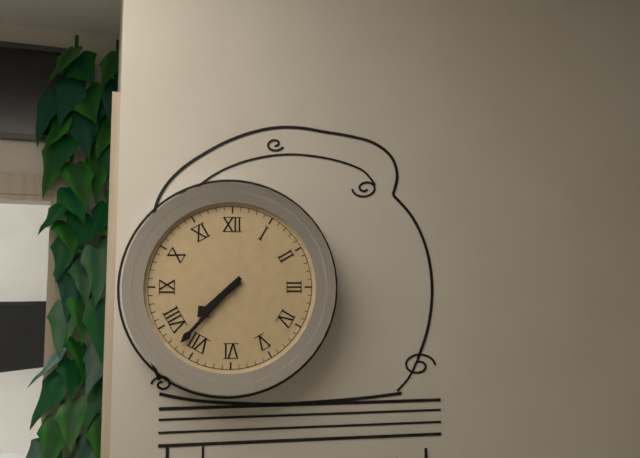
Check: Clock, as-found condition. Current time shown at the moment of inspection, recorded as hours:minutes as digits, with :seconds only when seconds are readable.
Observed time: 7:37
